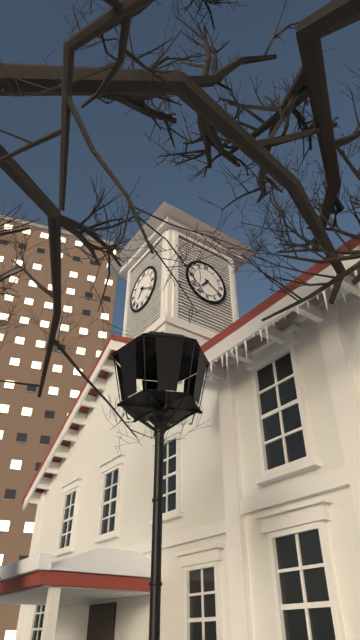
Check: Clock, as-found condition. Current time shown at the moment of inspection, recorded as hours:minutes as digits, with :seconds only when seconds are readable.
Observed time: 7:20
